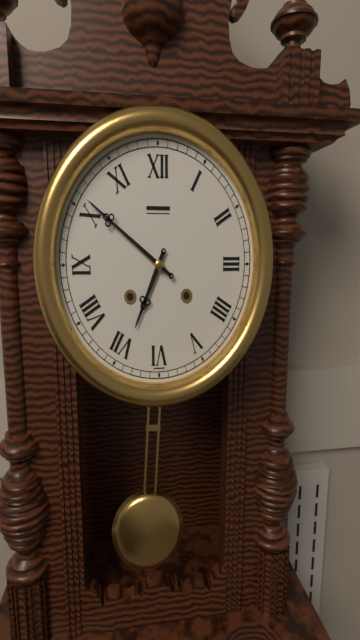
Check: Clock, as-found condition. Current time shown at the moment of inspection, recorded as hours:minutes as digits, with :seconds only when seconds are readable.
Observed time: 6:51
